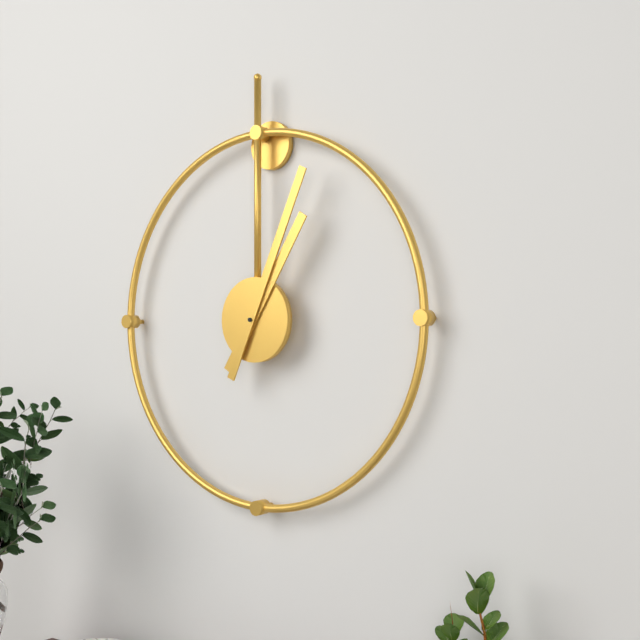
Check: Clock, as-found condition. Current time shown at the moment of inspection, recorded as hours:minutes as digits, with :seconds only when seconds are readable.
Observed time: 1:04
